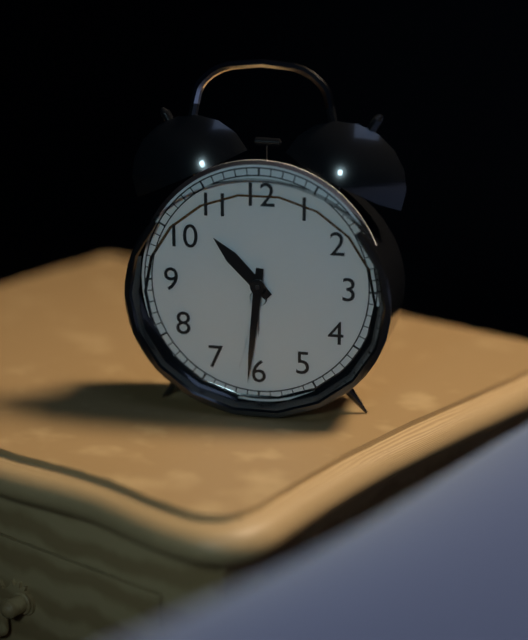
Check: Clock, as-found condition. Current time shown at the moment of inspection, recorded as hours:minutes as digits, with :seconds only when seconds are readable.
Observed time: 10:31
